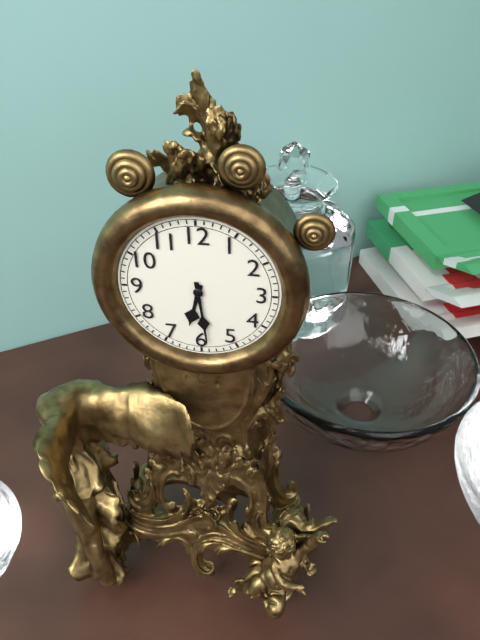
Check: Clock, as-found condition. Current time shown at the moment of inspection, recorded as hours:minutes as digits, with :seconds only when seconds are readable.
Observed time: 6:29
